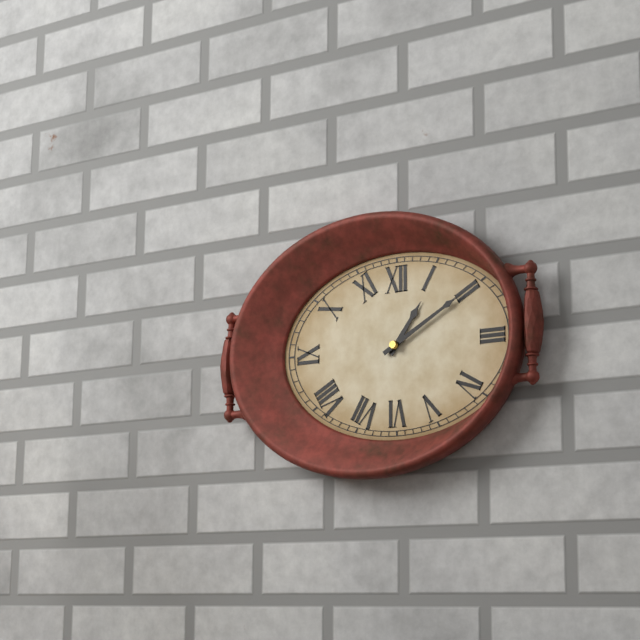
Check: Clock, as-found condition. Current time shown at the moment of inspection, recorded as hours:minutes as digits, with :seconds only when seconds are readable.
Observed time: 1:10
